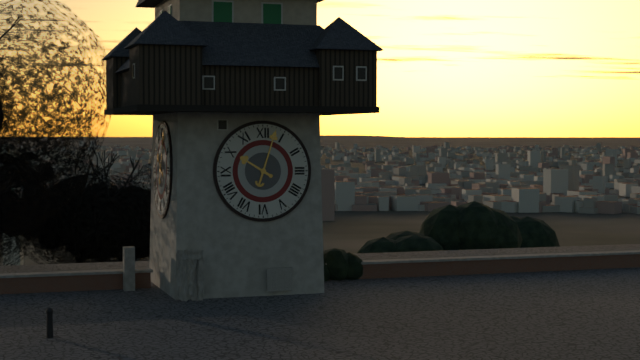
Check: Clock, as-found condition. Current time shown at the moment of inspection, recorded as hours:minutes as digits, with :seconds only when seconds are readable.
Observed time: 10:03
